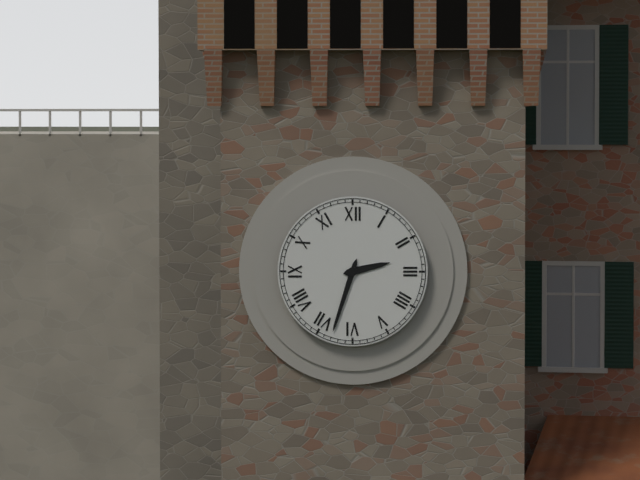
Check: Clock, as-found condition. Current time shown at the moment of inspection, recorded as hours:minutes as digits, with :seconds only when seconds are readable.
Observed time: 2:33
